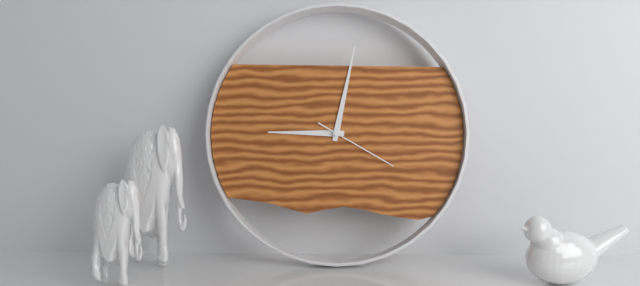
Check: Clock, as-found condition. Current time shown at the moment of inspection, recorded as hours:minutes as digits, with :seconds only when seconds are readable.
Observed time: 9:02:20
